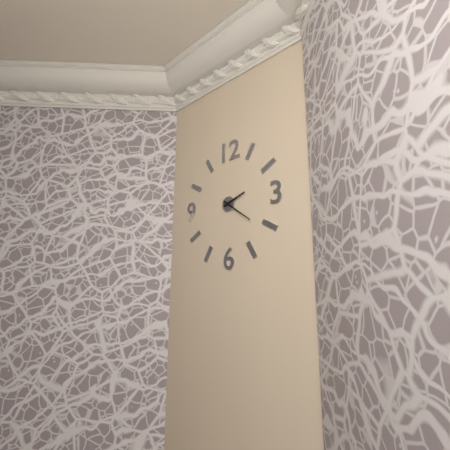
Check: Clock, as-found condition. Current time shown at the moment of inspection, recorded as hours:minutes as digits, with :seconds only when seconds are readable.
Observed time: 2:21
